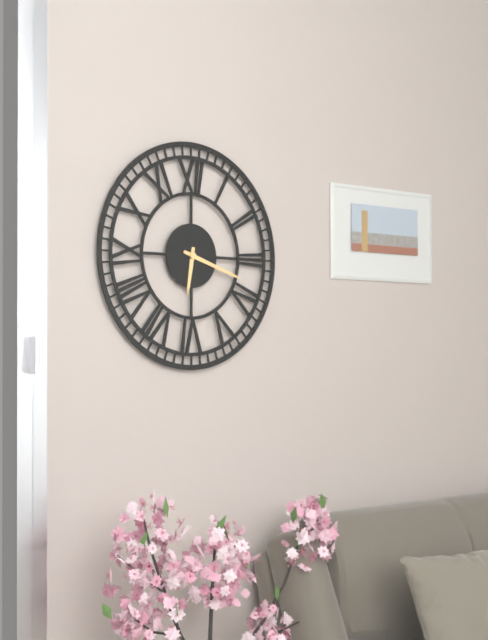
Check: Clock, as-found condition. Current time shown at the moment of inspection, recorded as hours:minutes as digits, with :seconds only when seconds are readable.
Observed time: 6:18
